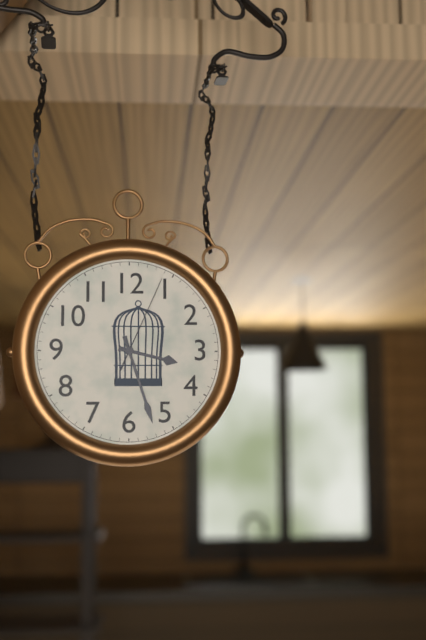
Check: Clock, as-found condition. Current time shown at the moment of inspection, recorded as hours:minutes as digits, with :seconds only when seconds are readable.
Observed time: 3:27:04
